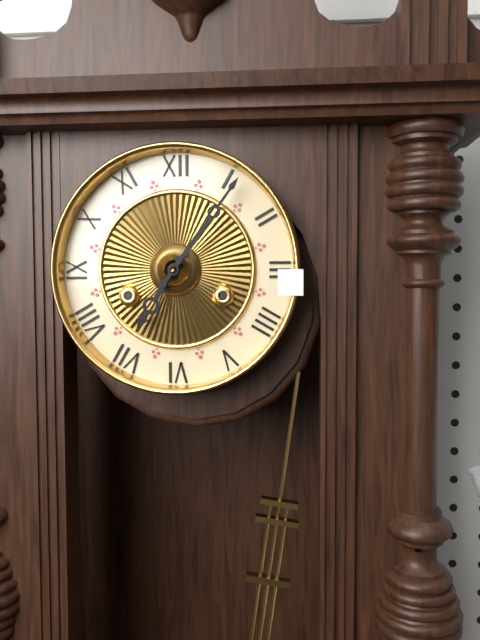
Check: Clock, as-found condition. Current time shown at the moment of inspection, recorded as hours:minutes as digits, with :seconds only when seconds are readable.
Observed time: 7:06
